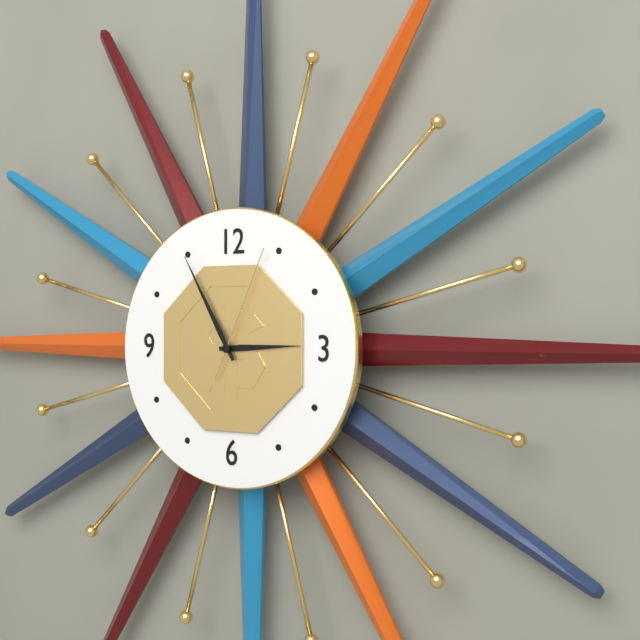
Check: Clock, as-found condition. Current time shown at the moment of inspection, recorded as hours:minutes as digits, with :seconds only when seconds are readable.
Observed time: 2:55:04
